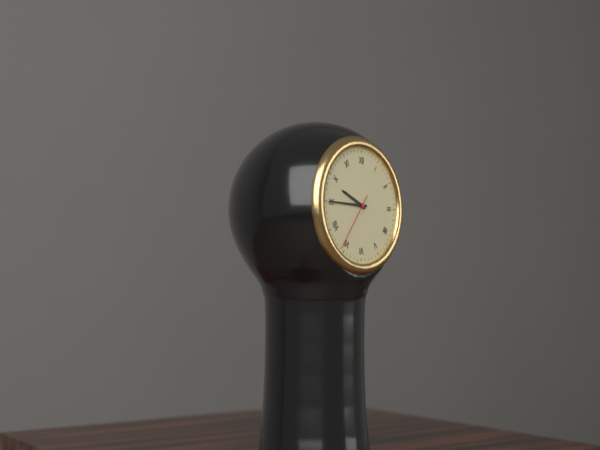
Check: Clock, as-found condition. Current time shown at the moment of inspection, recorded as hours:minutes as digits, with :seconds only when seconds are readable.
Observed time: 9:45:36
